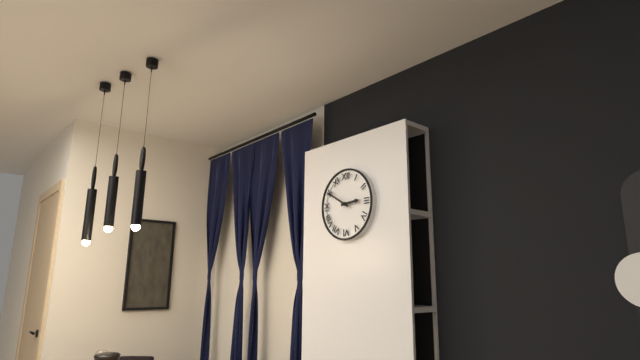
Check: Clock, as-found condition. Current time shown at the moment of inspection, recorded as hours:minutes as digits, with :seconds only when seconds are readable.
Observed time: 2:50
